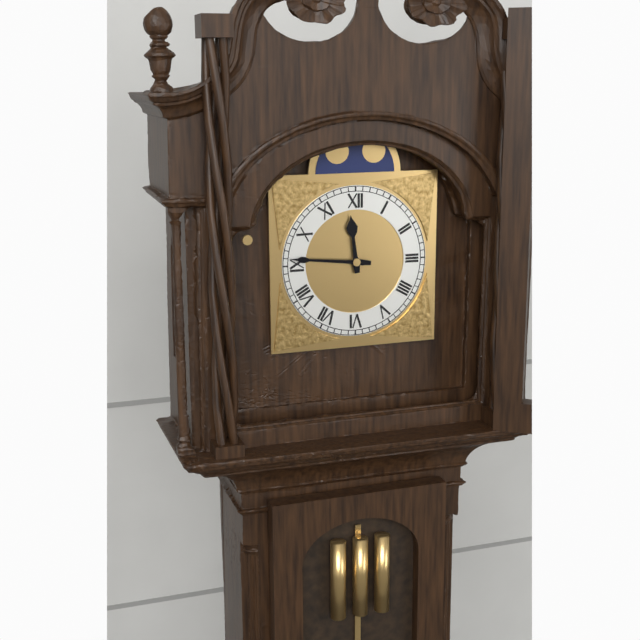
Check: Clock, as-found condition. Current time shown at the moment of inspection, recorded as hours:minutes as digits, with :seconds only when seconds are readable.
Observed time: 11:46
